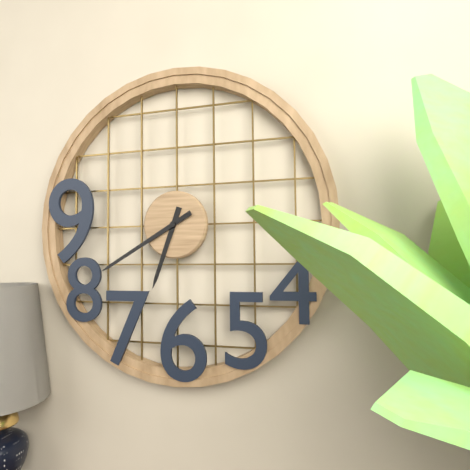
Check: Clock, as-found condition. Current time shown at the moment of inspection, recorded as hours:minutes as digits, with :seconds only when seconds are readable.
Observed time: 6:40
